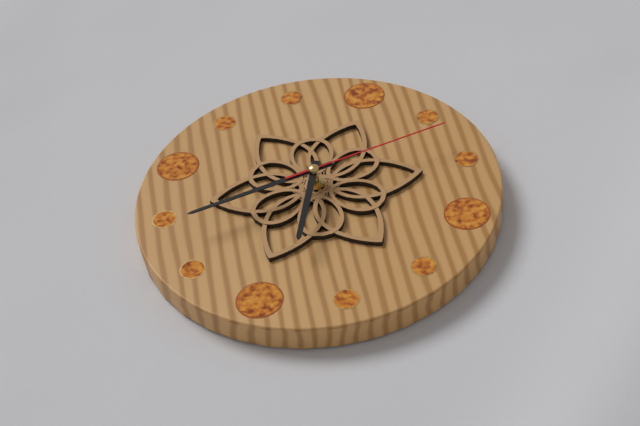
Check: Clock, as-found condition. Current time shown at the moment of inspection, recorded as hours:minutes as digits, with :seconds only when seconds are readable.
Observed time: 5:38:08
